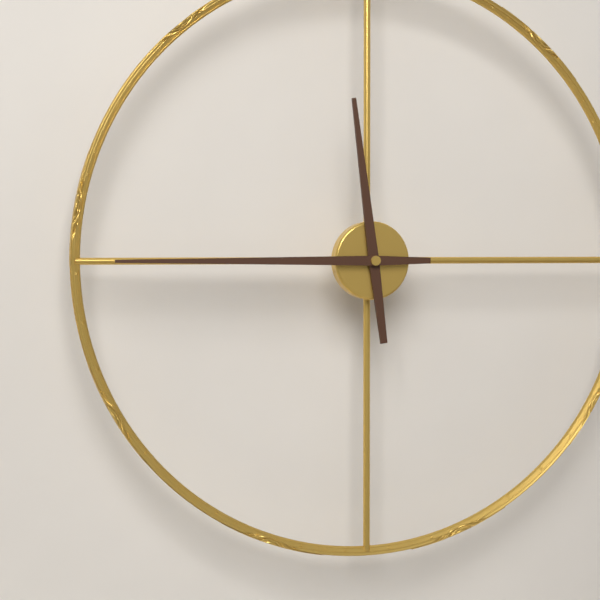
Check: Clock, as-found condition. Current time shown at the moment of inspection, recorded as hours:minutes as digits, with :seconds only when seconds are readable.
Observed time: 11:45
